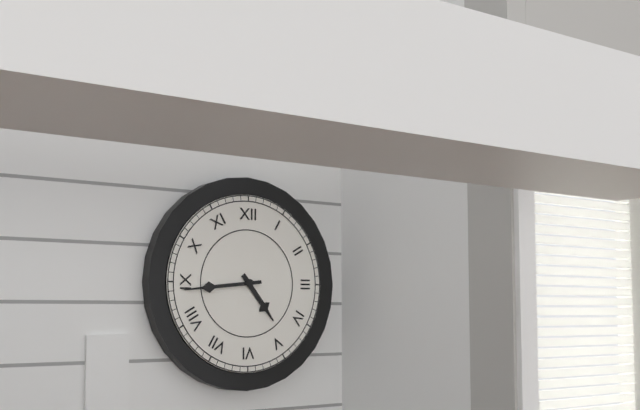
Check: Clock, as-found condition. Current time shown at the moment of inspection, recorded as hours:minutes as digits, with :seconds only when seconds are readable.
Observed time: 4:44
